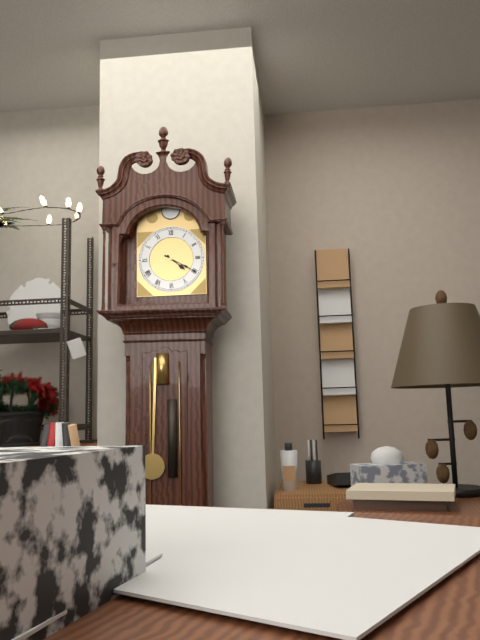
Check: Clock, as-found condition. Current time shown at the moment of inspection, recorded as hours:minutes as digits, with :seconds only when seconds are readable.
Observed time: 4:20
